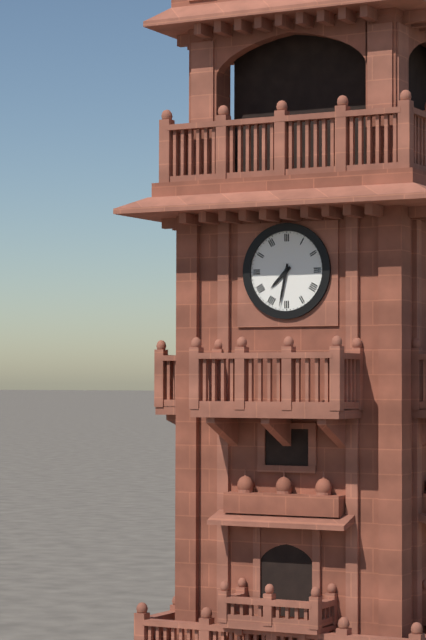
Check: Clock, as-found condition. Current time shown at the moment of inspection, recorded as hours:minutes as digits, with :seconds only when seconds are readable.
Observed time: 7:32
